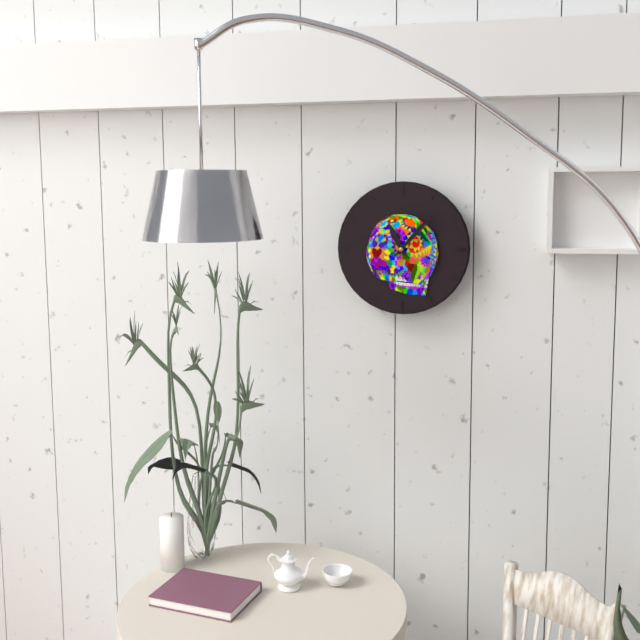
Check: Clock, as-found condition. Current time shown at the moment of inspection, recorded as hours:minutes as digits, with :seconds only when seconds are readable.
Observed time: 11:07
